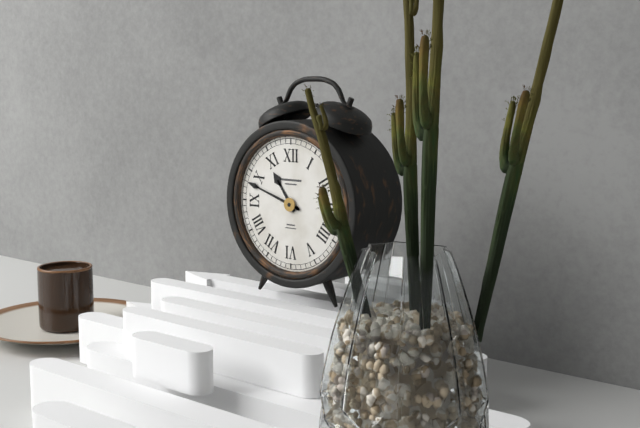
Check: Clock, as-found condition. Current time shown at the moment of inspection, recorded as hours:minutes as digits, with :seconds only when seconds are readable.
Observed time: 10:48
